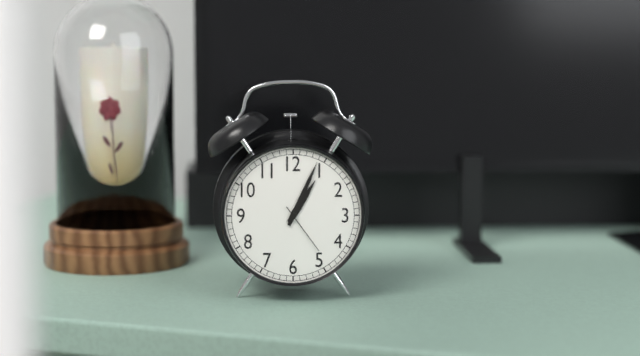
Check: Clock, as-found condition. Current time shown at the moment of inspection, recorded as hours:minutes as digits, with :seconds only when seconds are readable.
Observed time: 1:04:24
